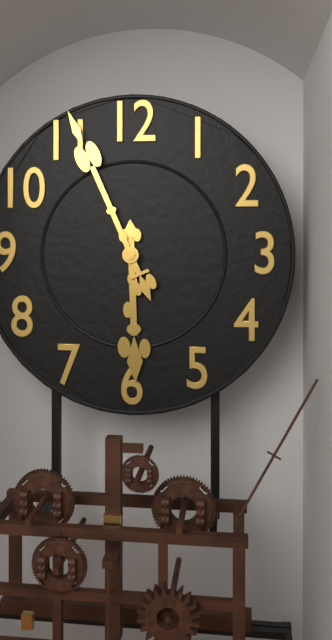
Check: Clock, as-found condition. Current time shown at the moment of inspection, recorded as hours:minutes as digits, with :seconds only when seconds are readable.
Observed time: 5:56
